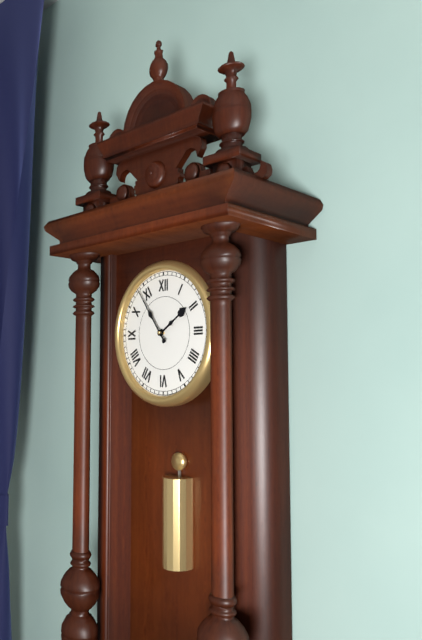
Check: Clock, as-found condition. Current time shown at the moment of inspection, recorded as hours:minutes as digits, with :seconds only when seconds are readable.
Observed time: 1:54
